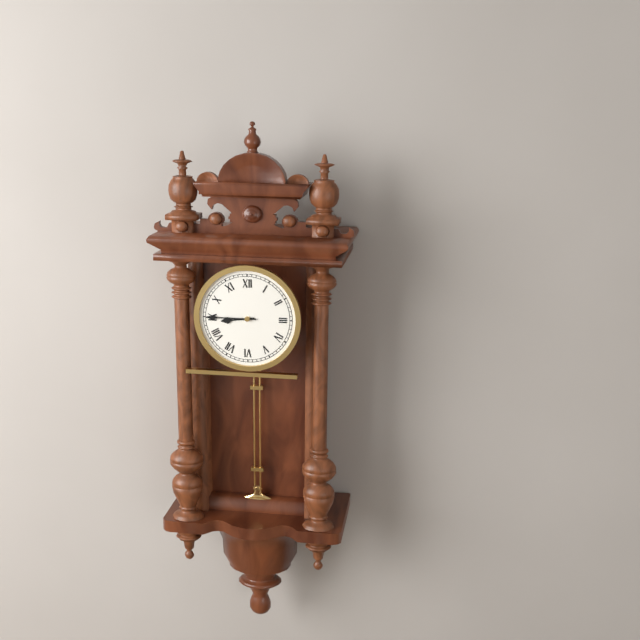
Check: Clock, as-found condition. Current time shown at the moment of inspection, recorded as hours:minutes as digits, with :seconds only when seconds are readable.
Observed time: 8:45
